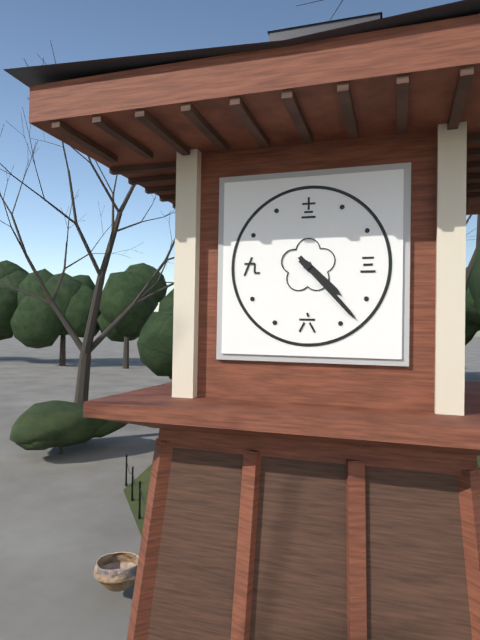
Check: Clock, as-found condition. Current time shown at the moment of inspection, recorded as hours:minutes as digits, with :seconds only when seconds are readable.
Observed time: 4:23
